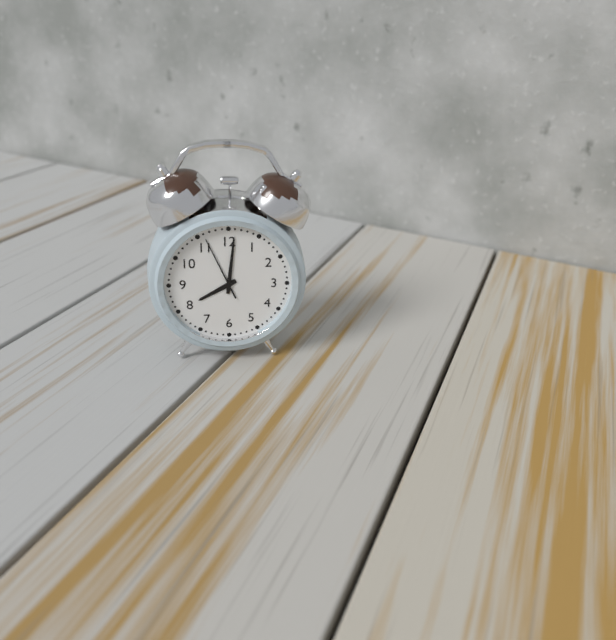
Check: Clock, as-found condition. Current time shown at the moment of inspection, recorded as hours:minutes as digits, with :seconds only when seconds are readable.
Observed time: 8:01:56
